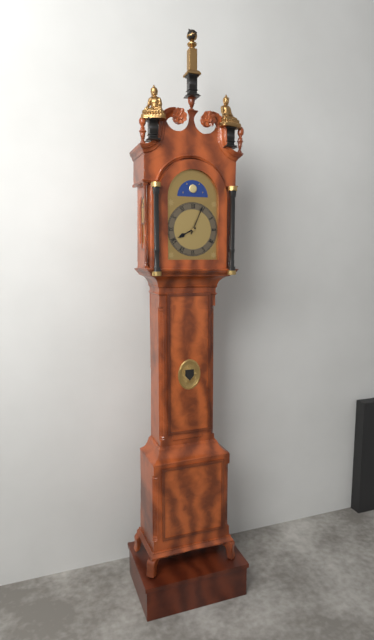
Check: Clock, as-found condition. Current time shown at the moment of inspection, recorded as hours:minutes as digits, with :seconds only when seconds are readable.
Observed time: 8:04
